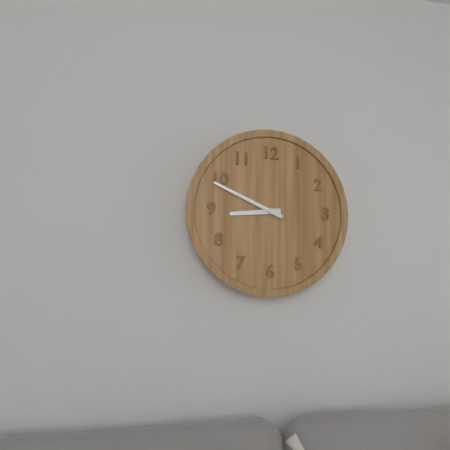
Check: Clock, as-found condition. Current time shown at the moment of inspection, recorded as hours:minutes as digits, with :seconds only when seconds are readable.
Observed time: 8:49
